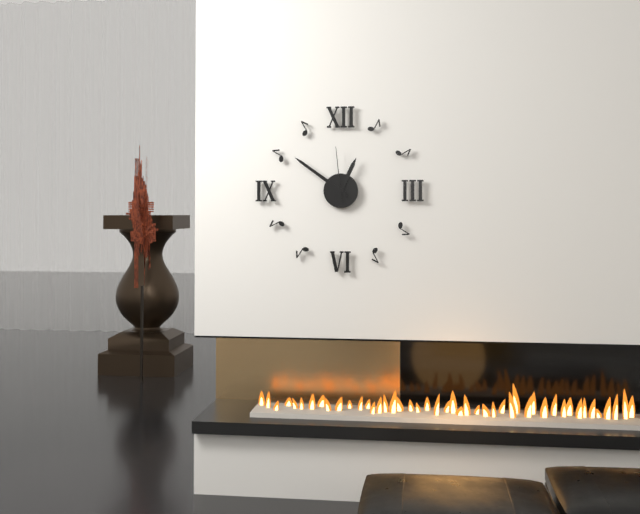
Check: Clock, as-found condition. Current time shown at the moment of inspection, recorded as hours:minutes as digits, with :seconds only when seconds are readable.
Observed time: 12:51:59
